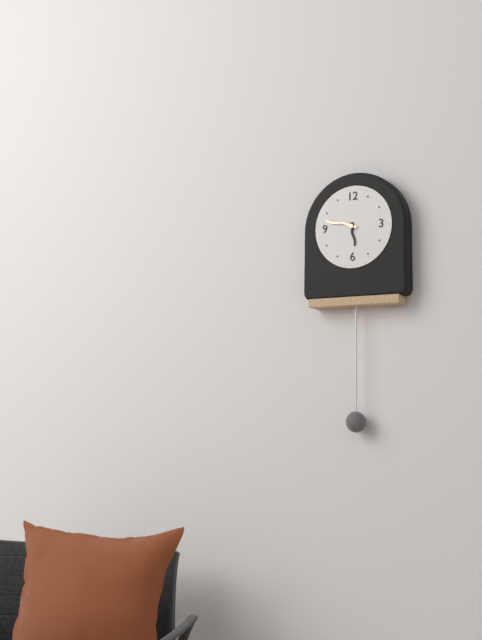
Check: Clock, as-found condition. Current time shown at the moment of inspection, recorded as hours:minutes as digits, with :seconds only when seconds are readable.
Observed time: 5:48
